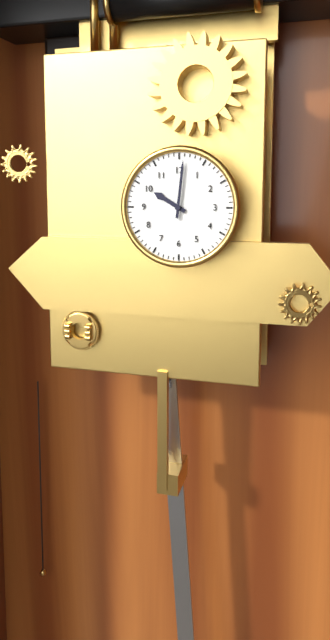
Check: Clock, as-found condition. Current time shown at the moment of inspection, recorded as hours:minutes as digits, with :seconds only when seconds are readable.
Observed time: 10:01
